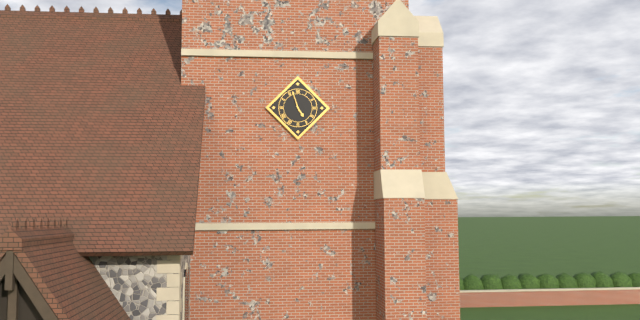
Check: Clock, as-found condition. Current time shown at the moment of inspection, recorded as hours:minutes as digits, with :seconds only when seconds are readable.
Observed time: 4:57
